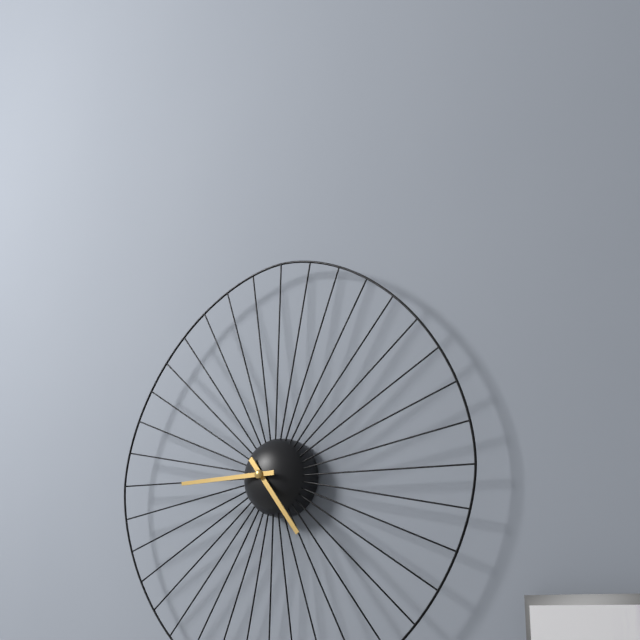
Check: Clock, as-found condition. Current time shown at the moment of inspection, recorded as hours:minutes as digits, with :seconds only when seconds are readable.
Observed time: 4:45
